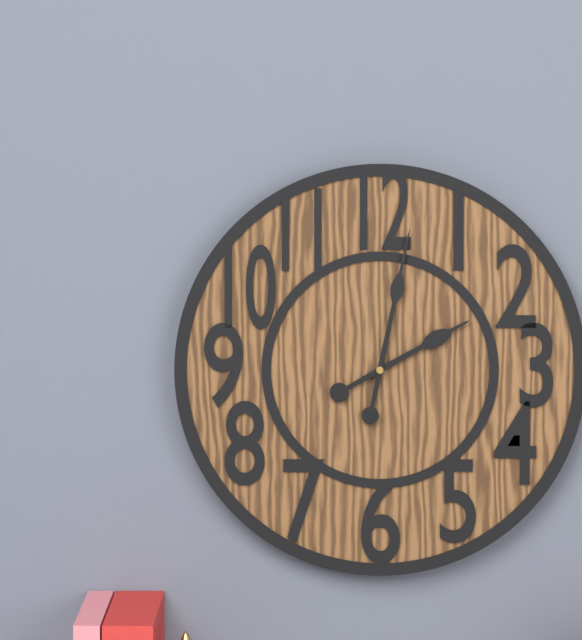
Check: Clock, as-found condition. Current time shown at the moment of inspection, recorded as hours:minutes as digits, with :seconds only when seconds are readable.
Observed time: 2:02
